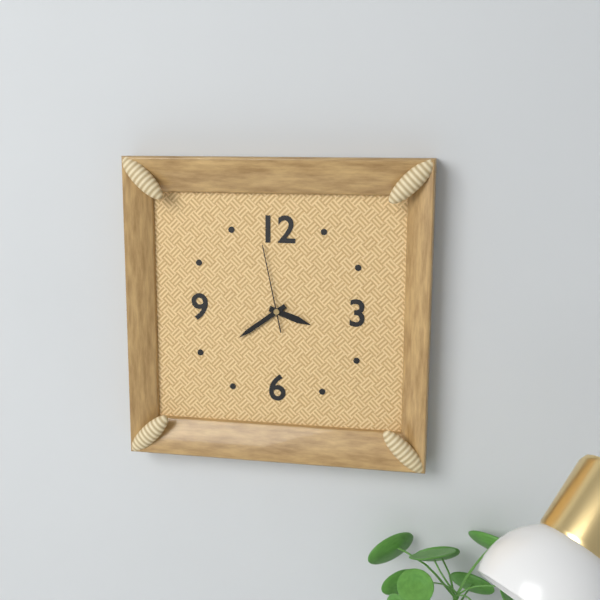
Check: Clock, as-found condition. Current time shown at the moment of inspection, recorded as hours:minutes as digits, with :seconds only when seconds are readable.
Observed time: 3:39:58
